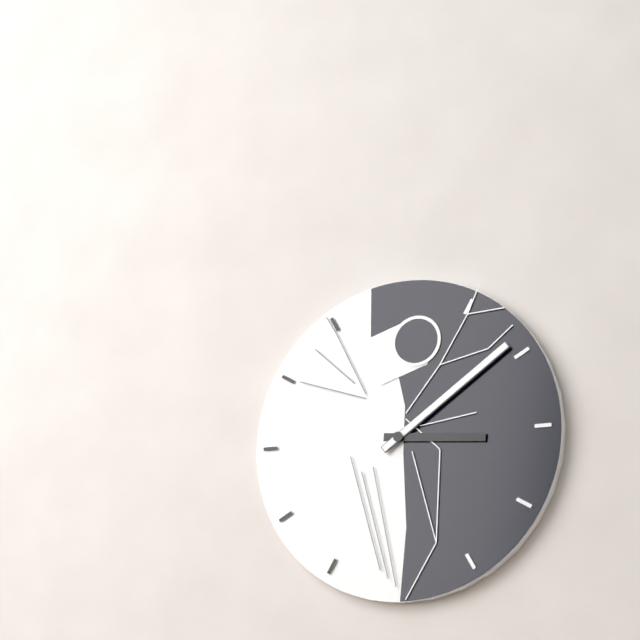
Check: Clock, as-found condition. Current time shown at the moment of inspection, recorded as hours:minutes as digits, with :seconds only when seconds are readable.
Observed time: 3:09
